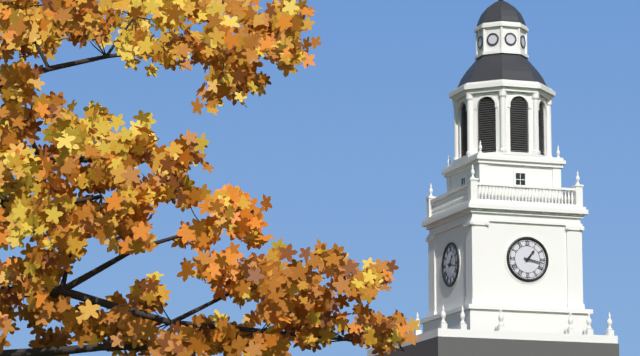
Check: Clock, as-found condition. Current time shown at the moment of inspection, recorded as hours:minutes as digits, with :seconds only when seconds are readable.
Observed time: 1:17
